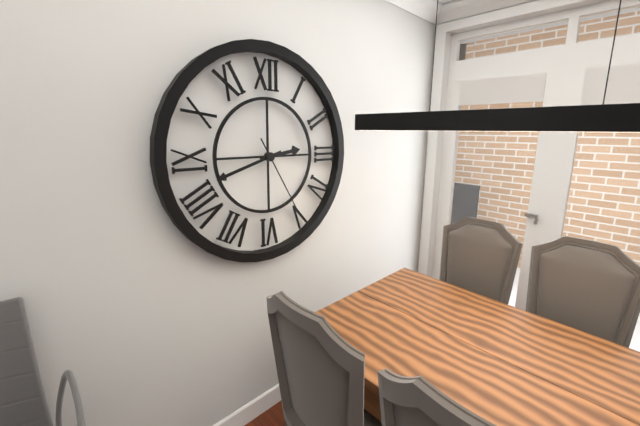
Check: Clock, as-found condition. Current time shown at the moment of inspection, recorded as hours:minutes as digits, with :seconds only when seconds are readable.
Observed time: 2:42:25
